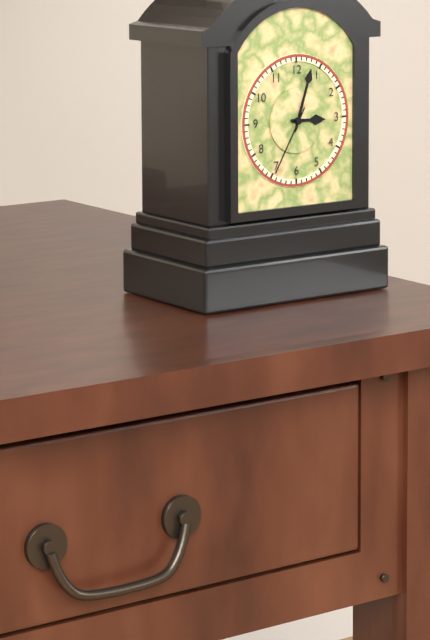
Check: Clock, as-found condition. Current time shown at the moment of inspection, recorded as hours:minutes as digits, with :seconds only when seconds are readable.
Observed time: 3:03:35
